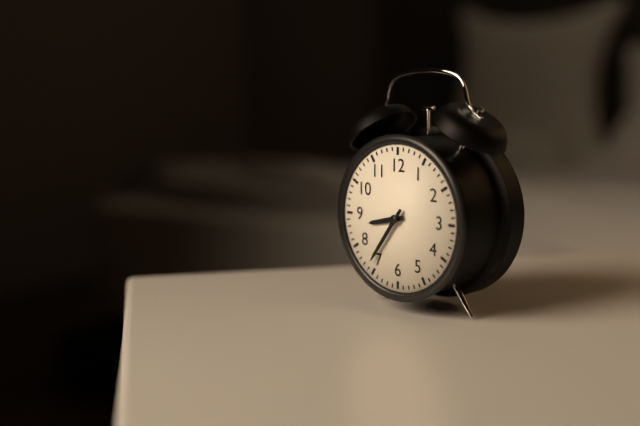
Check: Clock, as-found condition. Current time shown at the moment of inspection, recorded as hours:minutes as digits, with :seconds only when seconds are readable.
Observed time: 8:36
